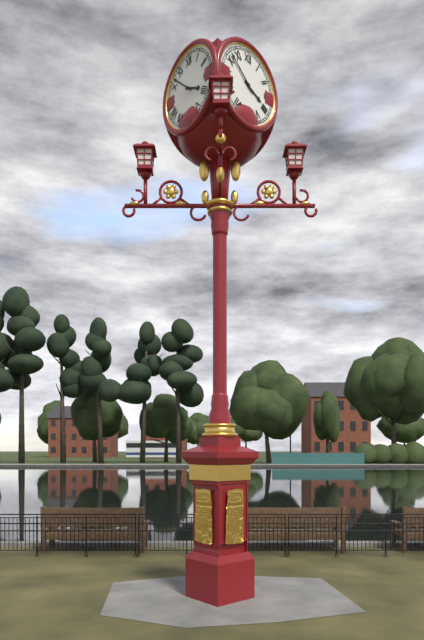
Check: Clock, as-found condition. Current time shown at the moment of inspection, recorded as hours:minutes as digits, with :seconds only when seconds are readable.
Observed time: 3:52
